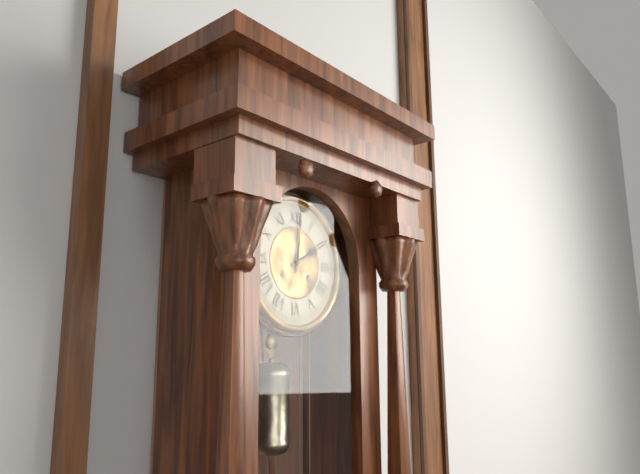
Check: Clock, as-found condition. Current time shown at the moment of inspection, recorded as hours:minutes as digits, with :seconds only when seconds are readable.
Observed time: 2:01
